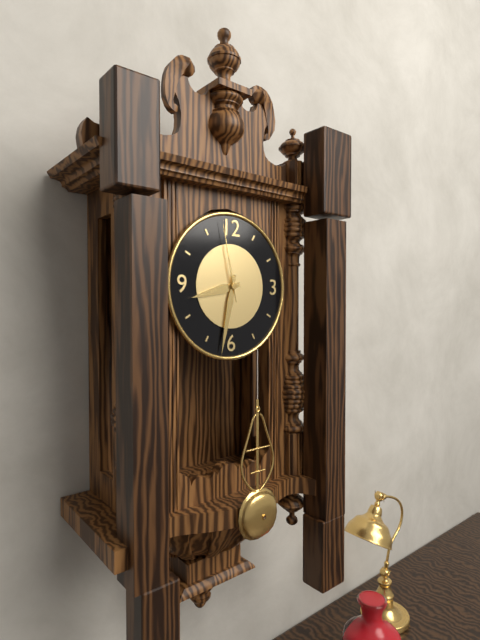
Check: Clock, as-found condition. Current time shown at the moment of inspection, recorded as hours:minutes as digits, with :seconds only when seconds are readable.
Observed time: 8:32:58
